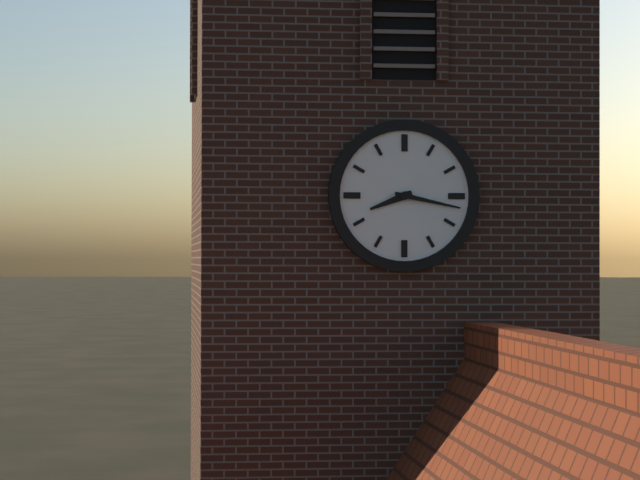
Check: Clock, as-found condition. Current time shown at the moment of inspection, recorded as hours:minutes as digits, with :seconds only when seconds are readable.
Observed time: 8:17
